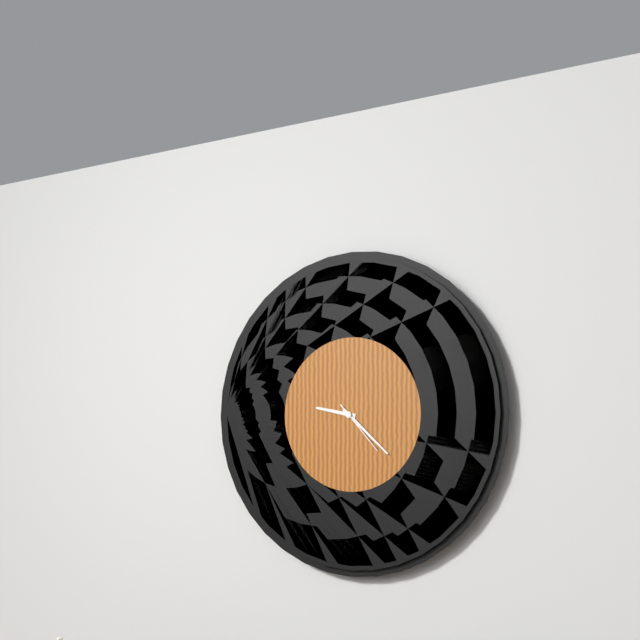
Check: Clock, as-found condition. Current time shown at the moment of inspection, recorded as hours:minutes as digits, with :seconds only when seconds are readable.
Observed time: 9:22:23
